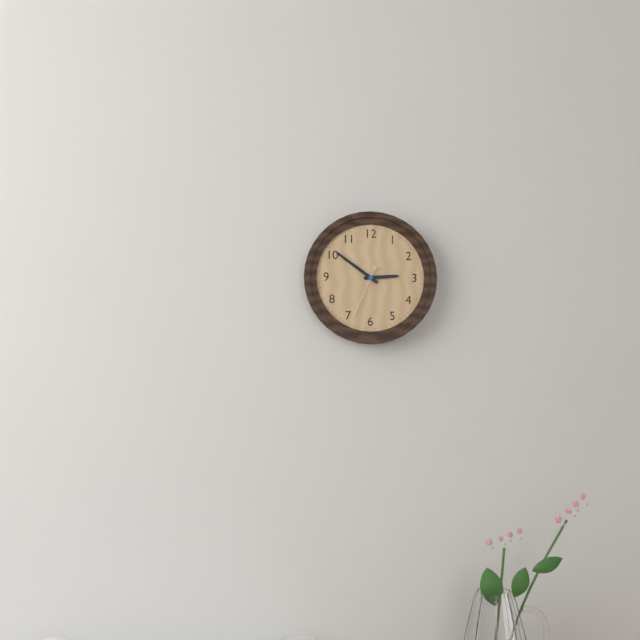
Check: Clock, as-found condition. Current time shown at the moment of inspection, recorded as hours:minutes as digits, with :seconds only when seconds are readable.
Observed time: 2:51:34
